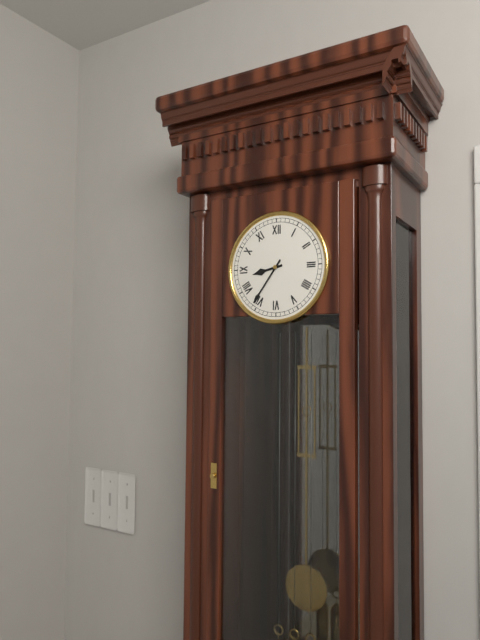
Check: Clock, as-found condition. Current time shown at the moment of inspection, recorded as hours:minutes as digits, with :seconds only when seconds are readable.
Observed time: 8:36
